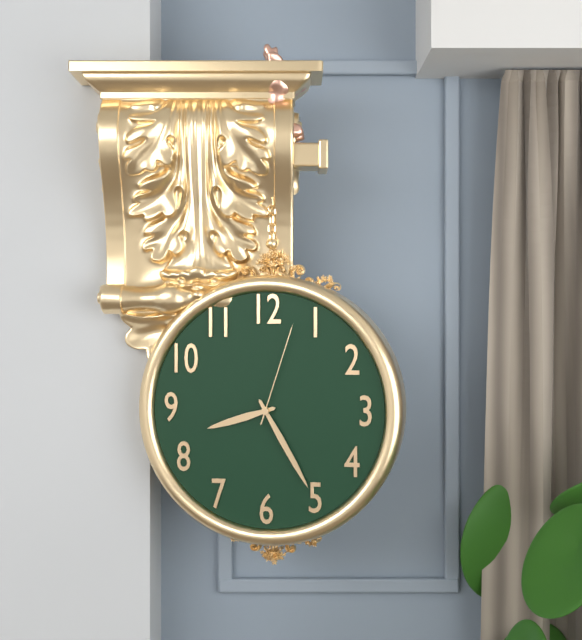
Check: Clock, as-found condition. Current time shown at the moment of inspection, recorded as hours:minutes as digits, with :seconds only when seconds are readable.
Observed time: 8:25:03
